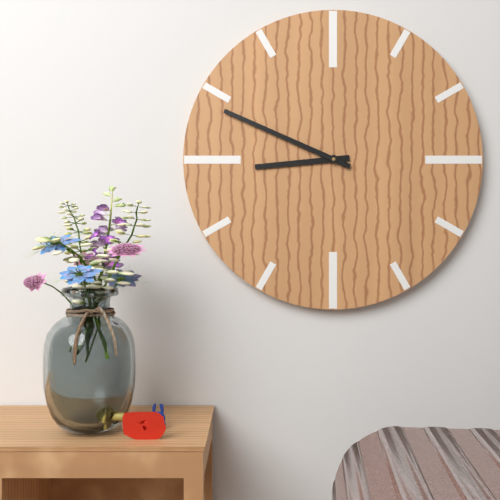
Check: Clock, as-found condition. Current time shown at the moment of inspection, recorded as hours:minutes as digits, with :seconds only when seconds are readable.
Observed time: 8:49
